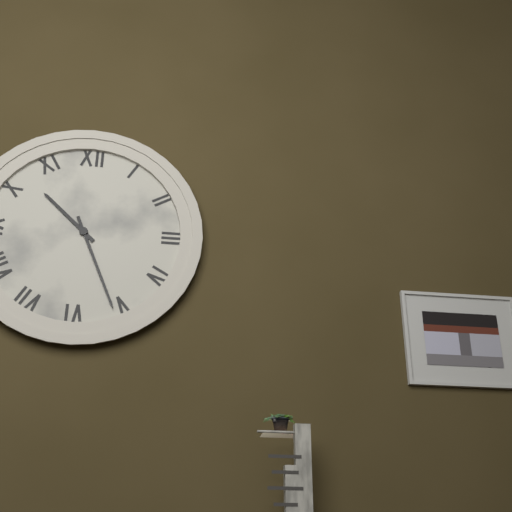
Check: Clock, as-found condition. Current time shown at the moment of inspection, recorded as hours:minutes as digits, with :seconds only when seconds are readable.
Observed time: 10:26
